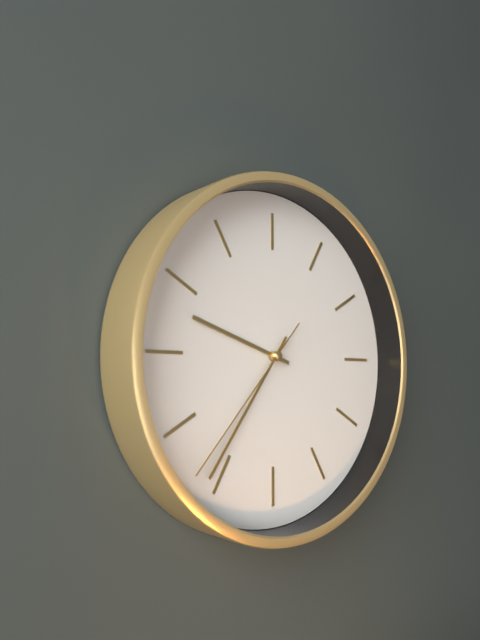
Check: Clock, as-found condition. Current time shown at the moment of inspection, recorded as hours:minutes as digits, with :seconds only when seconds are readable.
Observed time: 9:36:37
